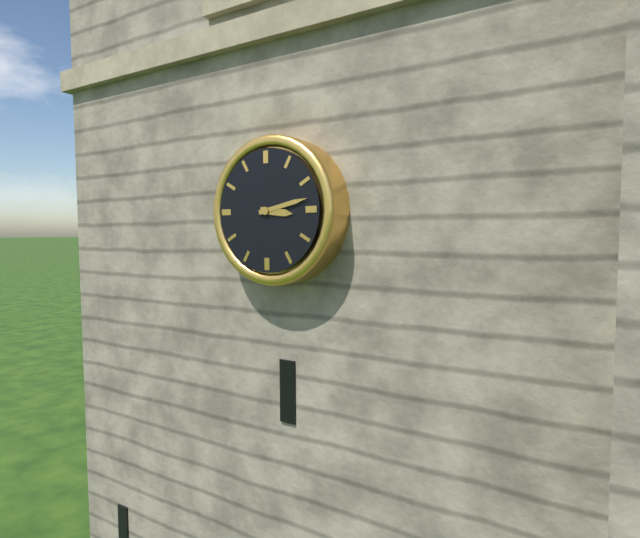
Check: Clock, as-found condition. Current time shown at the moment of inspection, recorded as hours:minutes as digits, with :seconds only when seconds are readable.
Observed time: 3:13
